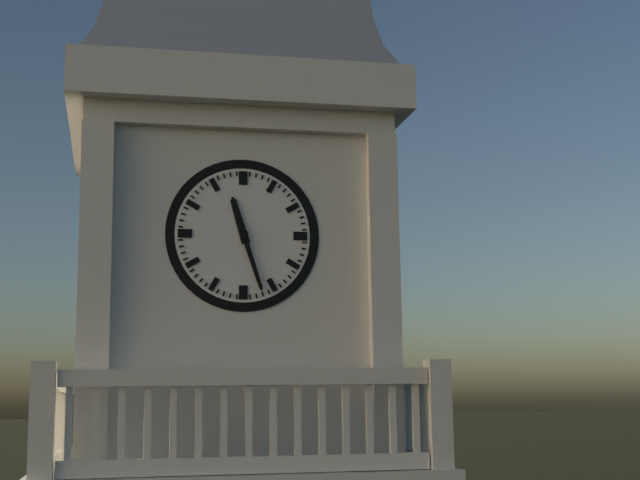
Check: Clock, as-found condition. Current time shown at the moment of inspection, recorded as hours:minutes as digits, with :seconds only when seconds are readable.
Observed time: 11:27
